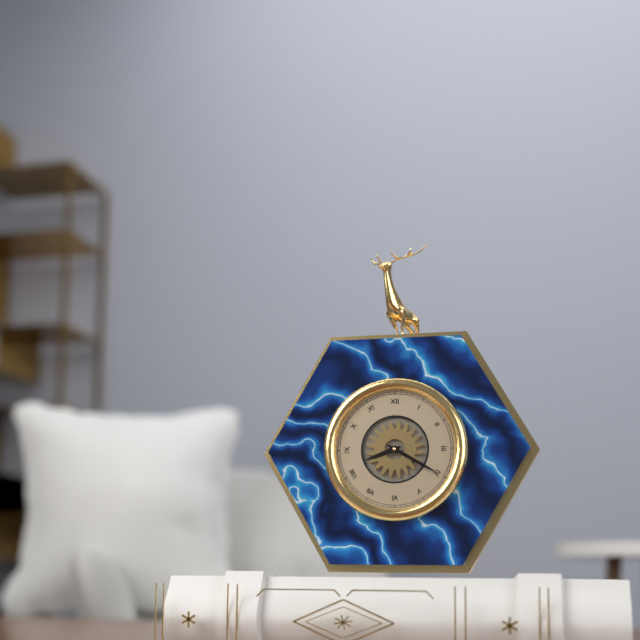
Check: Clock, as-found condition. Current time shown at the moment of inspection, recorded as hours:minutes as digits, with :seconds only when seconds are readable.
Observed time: 8:20
